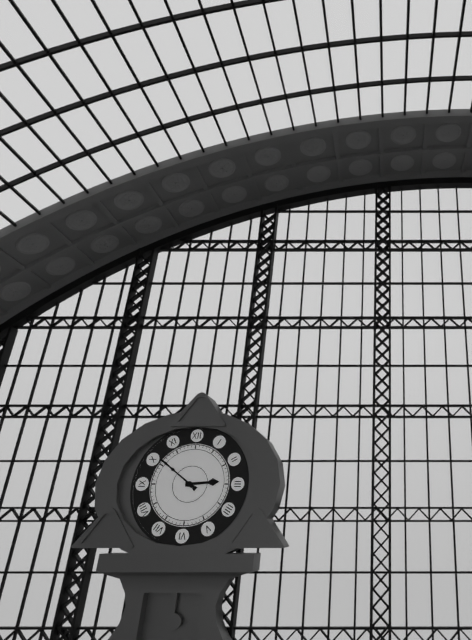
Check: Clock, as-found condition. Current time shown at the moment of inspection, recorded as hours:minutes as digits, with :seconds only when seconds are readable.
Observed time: 2:51
